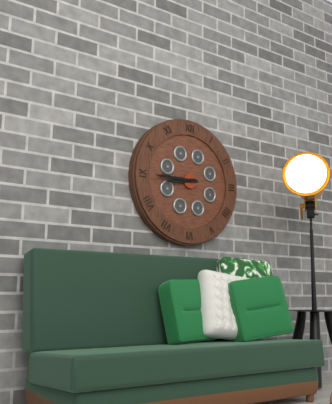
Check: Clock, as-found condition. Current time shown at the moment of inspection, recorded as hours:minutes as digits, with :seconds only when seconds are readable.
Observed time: 8:45
